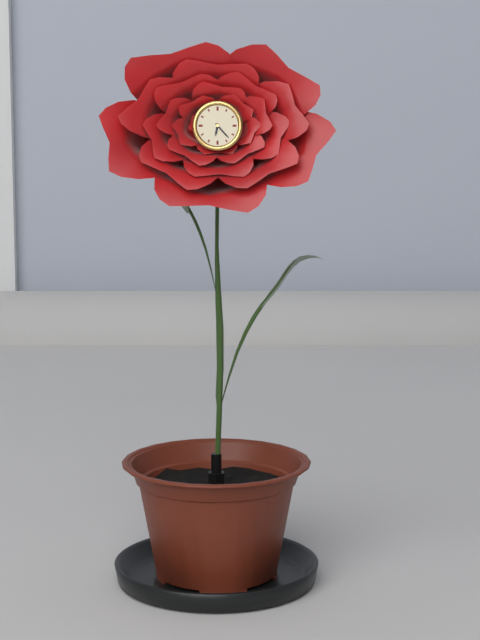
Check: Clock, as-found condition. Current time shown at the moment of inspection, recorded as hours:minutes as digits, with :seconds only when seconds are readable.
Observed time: 6:23
